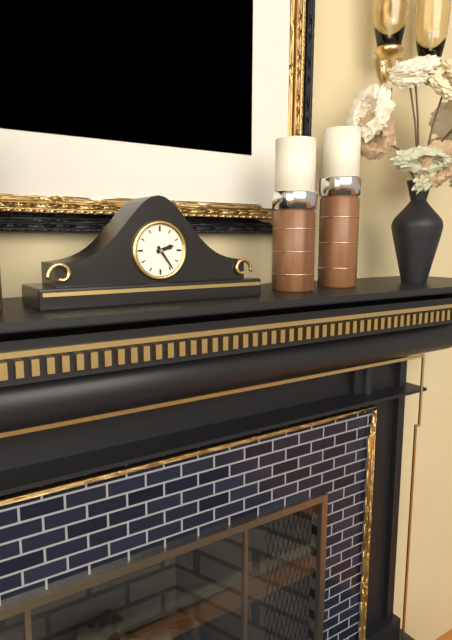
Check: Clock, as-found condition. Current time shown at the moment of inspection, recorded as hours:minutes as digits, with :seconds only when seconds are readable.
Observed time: 2:24
